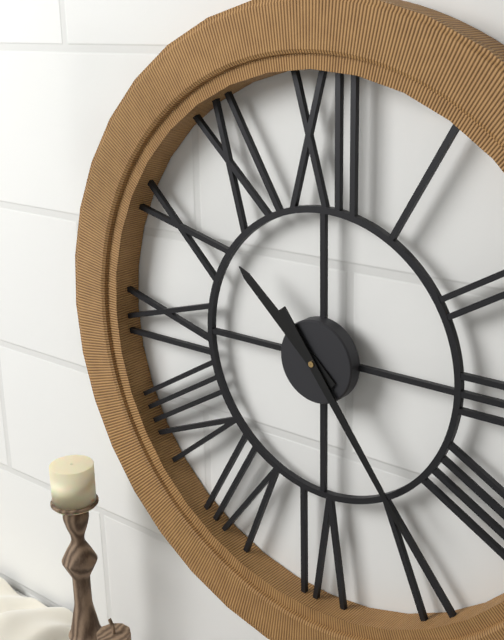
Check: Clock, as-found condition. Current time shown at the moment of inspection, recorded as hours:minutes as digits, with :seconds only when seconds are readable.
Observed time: 10:24
